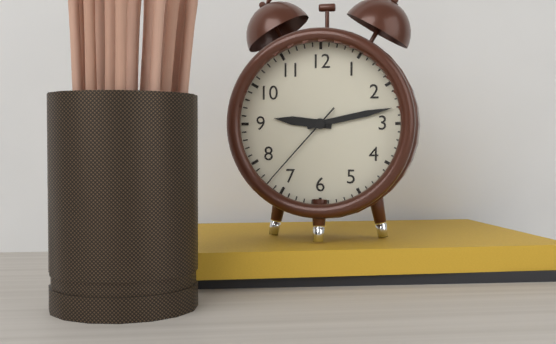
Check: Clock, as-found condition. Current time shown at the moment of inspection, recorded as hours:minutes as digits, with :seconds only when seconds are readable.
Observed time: 9:13:37
